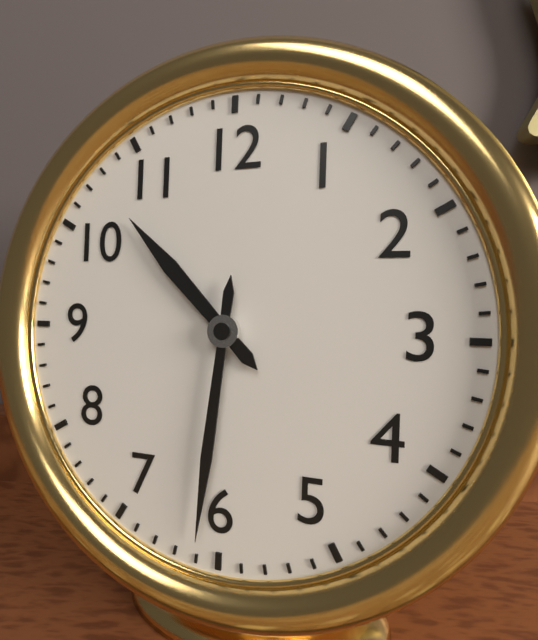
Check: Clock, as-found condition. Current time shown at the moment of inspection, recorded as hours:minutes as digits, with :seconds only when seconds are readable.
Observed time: 10:31
